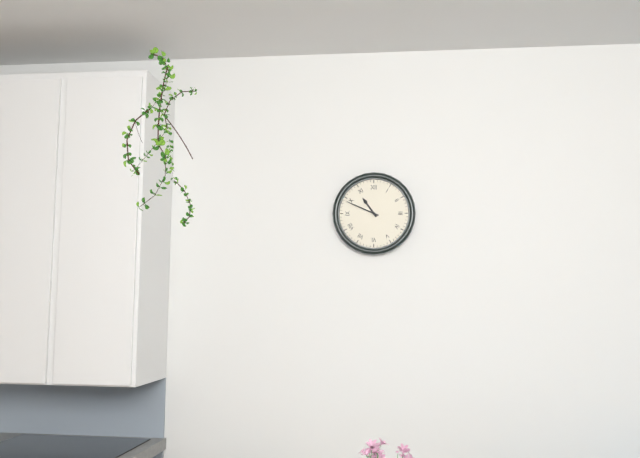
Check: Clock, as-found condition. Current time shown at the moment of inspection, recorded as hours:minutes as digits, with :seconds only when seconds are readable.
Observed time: 10:49
